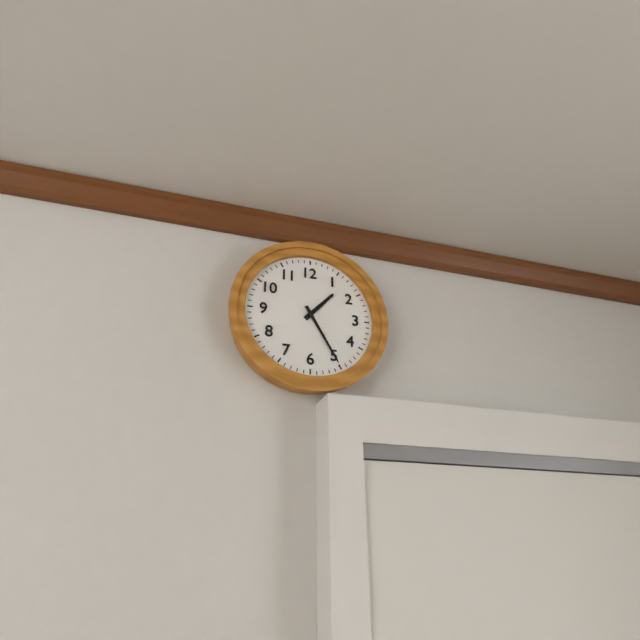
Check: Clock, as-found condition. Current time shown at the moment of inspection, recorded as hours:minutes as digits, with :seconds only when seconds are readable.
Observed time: 1:25
